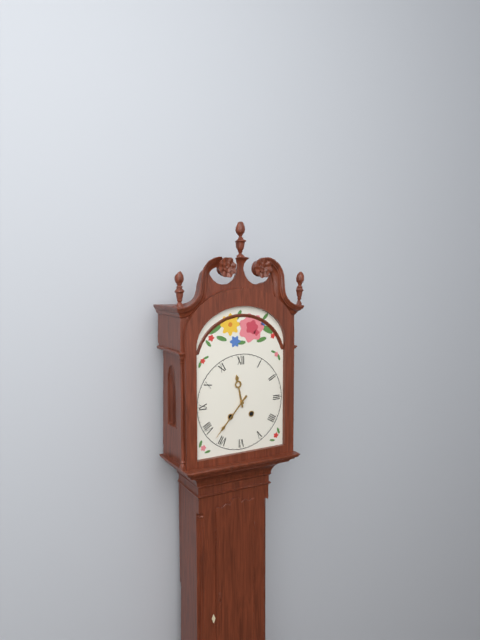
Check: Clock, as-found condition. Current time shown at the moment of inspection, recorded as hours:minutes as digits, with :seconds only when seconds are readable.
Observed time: 11:37
